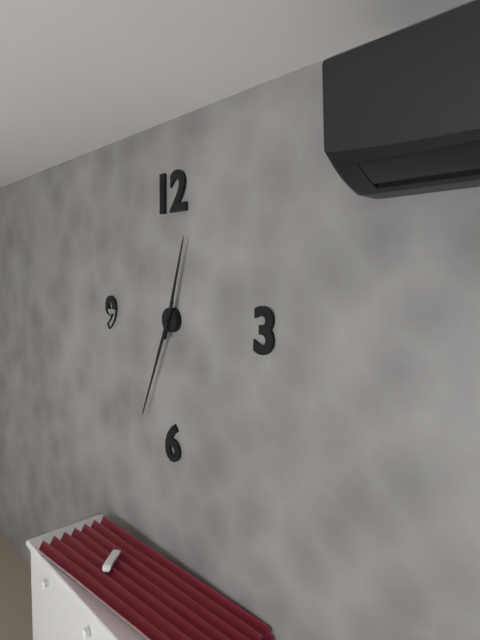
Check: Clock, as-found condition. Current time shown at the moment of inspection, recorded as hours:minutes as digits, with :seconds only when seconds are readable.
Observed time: 12:34
